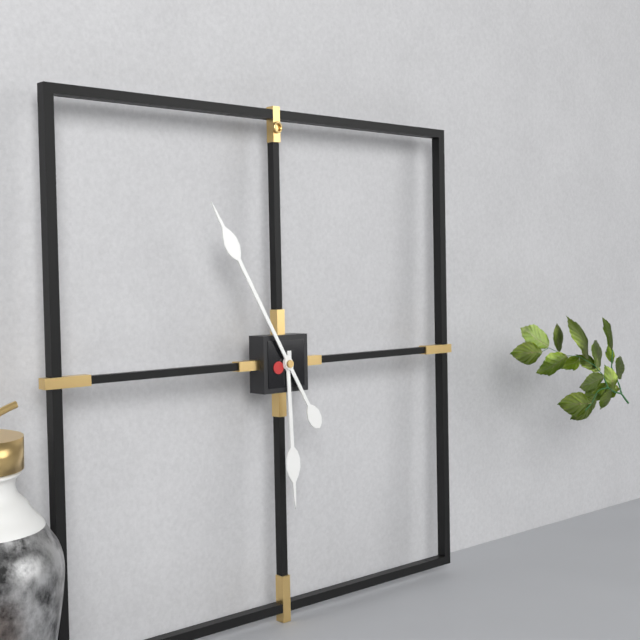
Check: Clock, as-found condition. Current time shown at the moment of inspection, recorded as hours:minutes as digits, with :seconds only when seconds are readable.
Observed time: 5:55
